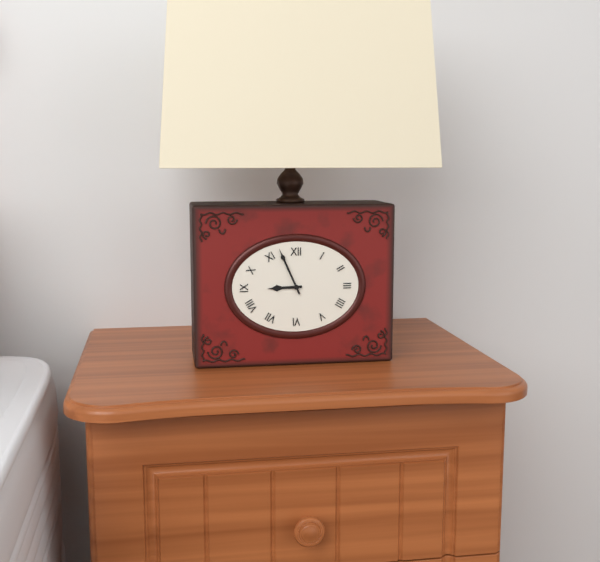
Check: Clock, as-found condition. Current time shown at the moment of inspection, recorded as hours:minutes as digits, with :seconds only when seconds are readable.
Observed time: 8:56
